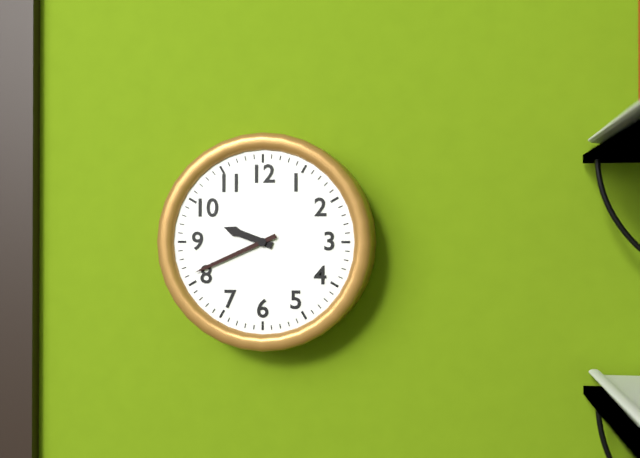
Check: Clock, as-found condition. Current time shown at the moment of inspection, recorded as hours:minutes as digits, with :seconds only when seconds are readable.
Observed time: 9:41
